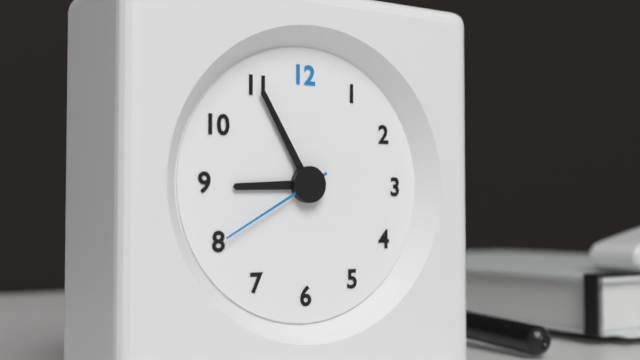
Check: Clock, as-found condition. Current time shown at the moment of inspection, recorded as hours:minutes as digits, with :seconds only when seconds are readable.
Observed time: 8:55:40
